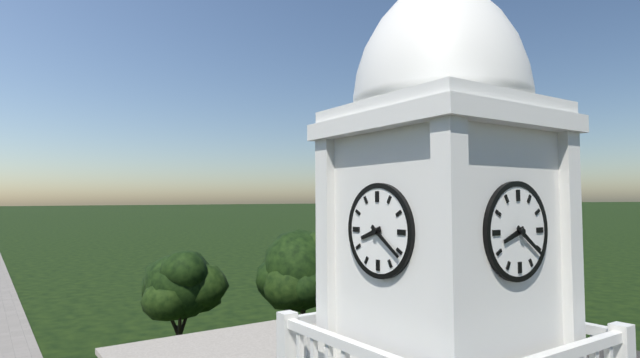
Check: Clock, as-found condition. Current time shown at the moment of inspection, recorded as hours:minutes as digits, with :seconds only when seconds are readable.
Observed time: 8:21
